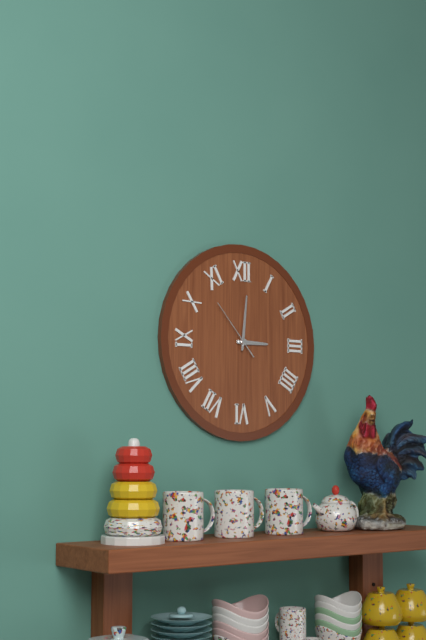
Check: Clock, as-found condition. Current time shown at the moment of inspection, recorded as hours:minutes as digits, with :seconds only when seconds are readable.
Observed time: 3:01:53
